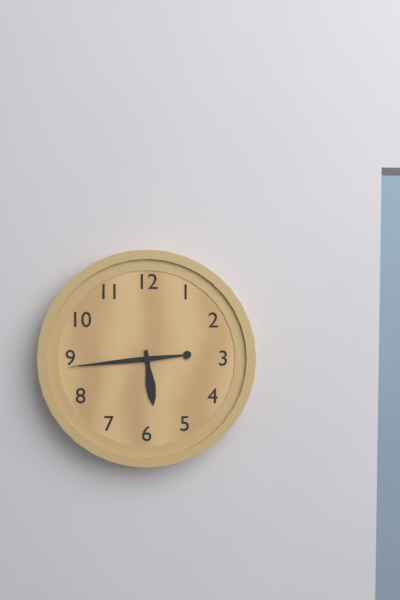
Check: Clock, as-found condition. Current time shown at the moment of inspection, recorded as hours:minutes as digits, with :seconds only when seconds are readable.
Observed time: 5:44
